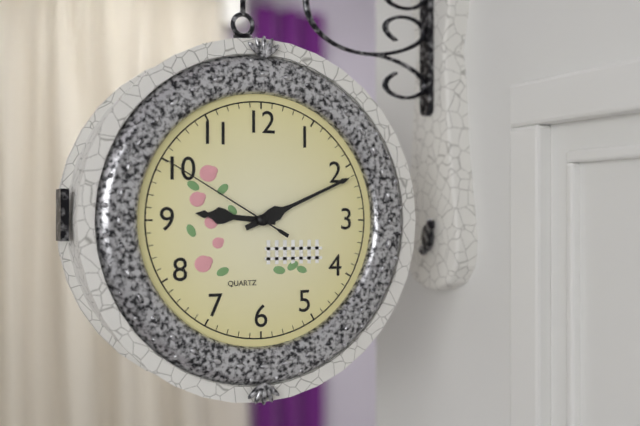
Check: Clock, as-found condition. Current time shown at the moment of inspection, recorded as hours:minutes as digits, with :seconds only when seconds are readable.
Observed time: 9:11:50
